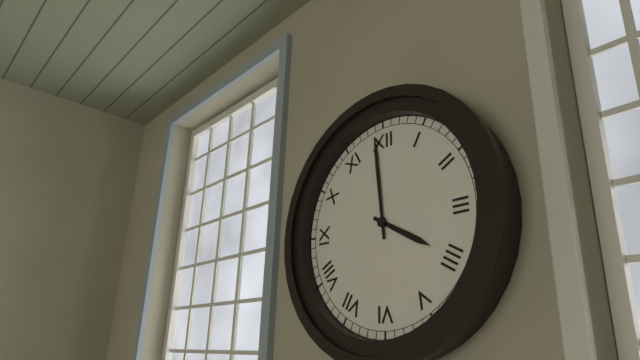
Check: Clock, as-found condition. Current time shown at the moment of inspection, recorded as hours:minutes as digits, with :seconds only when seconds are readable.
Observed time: 3:59
